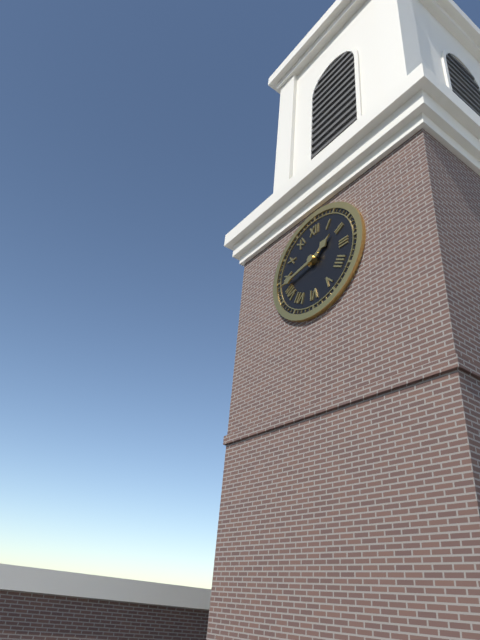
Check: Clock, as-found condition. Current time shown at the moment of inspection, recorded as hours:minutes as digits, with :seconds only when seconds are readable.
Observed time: 1:43
